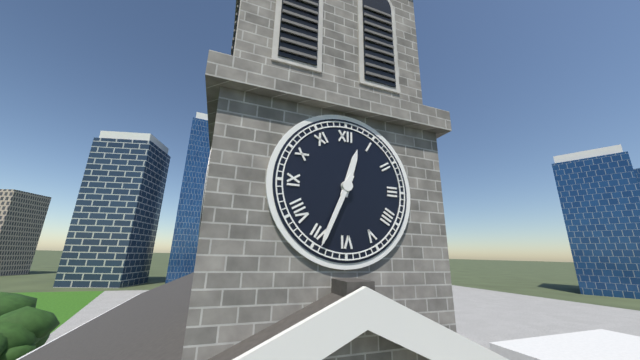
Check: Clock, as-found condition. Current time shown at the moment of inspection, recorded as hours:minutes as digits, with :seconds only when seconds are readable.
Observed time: 12:34
